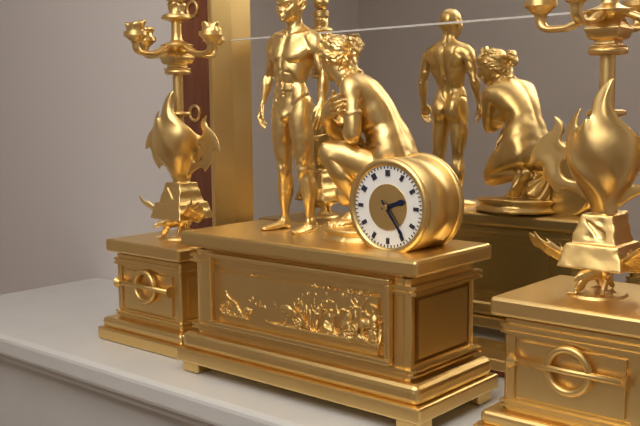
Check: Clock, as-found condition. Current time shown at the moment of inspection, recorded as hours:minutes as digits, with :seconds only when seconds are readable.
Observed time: 2:24
